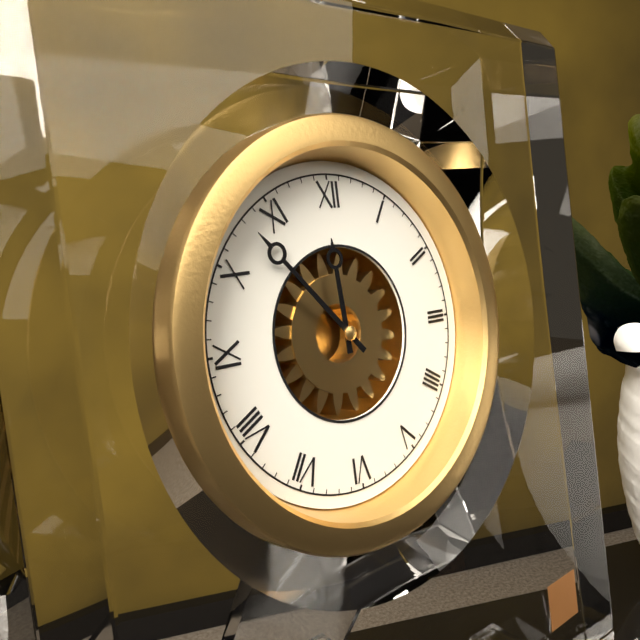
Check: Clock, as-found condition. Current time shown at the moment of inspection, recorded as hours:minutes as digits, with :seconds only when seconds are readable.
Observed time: 11:53
